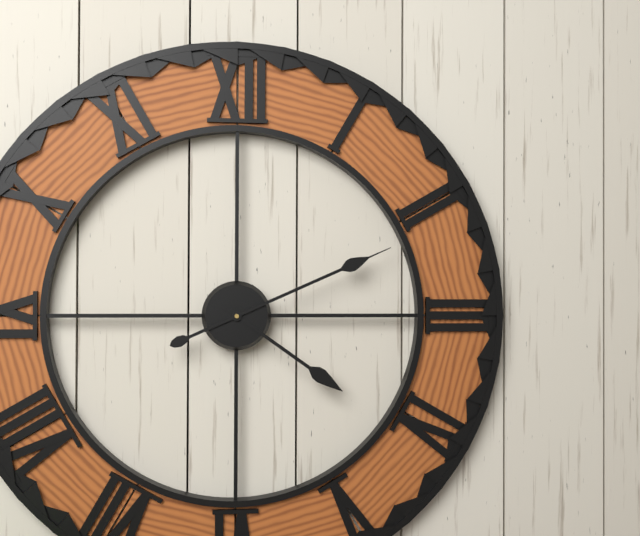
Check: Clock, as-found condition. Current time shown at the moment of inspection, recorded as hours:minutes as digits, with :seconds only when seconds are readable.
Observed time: 4:11
